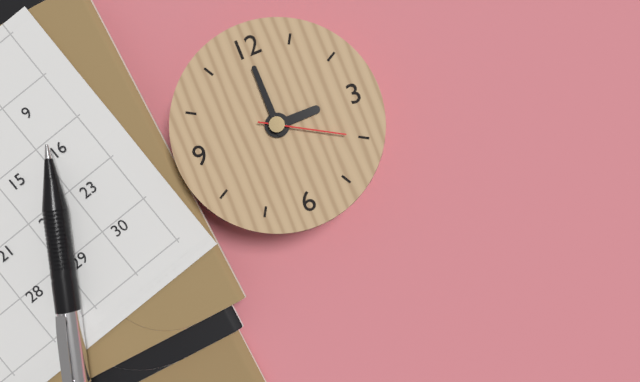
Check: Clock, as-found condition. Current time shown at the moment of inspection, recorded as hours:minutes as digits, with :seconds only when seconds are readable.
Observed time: 3:00:20
